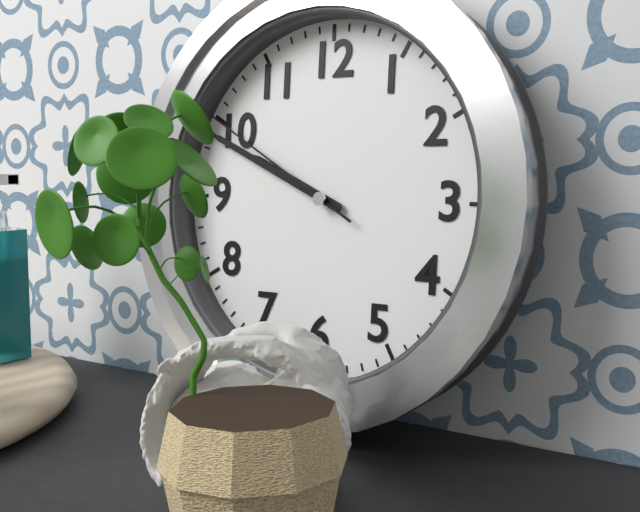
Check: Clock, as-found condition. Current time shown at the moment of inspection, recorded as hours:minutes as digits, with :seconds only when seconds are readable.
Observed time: 9:49:50
